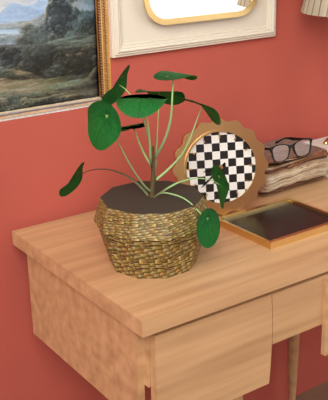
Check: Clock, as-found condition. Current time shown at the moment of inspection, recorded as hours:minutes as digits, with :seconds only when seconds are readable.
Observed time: 8:38
